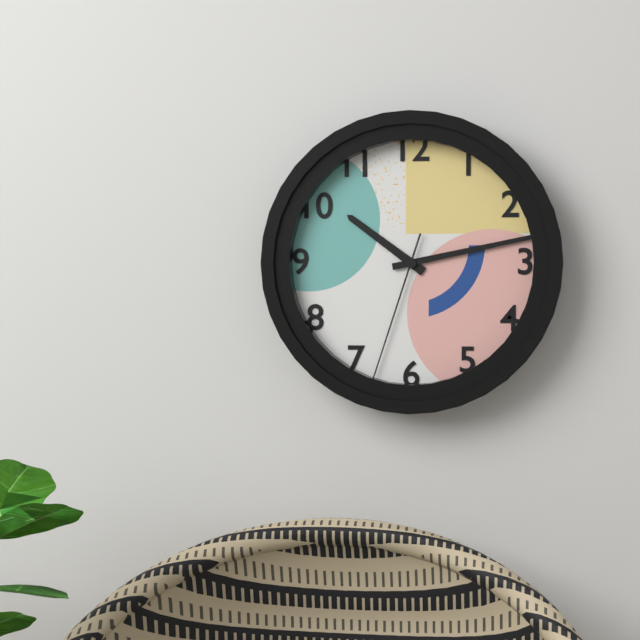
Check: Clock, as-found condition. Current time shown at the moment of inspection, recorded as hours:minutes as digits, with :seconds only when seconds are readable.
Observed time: 10:13:33
